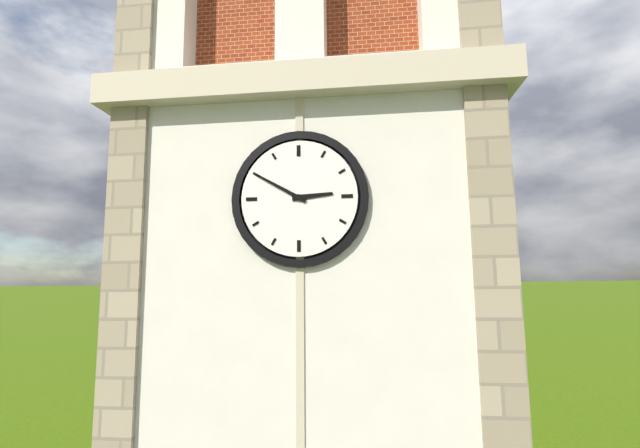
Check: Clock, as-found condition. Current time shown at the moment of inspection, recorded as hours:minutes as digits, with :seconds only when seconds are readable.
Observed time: 2:50
